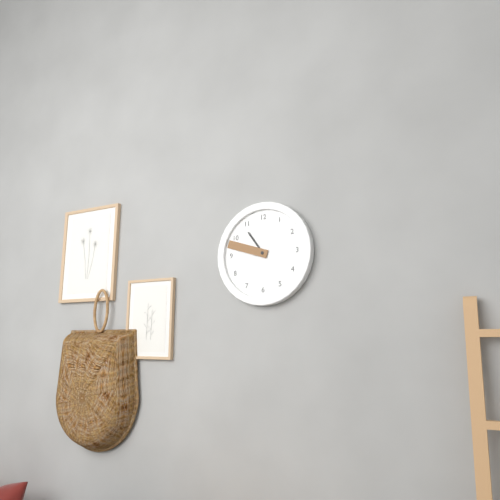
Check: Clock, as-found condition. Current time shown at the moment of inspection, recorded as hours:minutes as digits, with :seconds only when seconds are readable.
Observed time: 10:48
